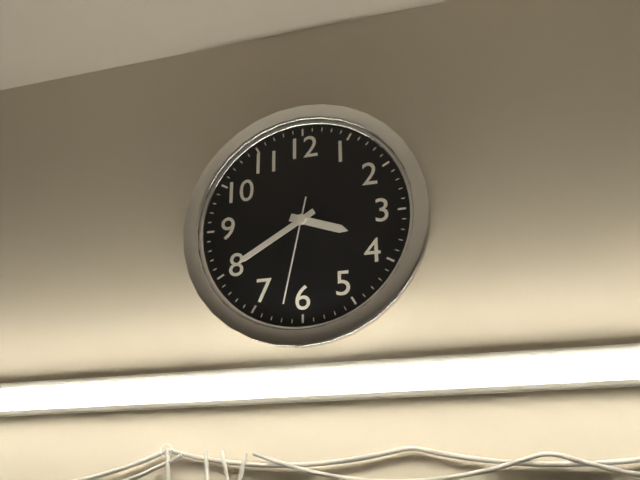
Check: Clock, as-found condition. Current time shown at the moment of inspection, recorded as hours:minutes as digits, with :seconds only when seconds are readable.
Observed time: 3:40:32
